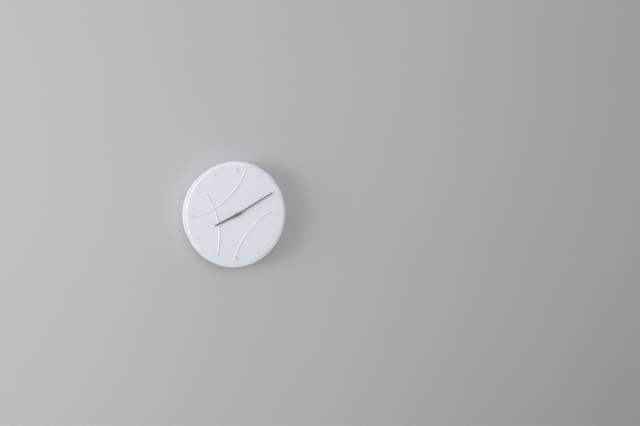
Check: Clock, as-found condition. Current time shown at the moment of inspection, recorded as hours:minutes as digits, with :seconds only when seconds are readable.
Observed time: 8:10
